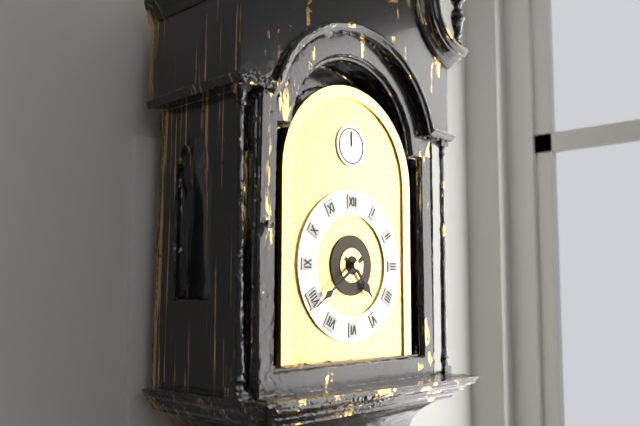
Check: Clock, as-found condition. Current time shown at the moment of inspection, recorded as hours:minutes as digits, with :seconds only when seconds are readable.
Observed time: 4:39
